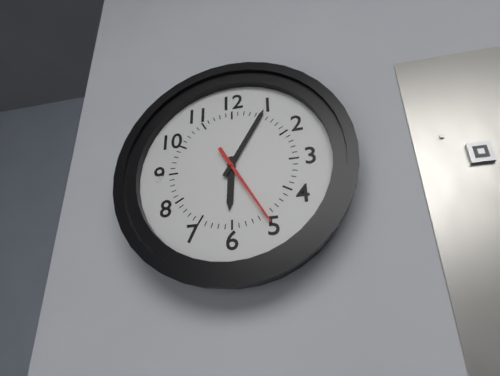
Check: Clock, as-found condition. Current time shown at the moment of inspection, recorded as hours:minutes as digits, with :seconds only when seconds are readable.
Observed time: 6:05:25
